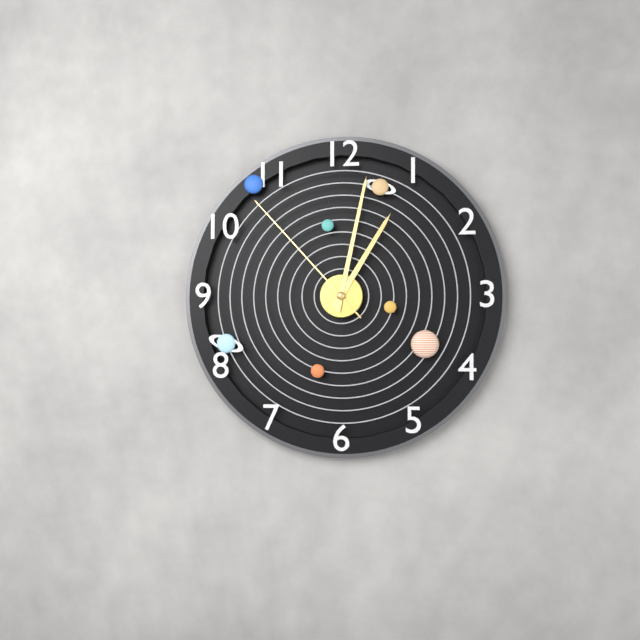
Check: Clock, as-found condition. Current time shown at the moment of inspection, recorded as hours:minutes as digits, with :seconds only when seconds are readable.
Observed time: 1:02:53
